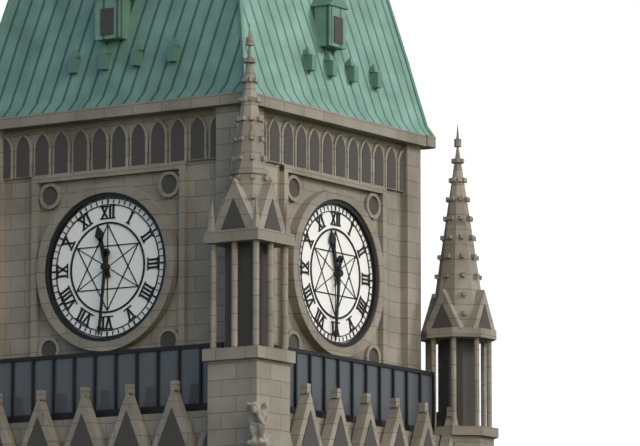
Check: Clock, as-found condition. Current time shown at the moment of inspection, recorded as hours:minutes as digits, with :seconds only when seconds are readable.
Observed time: 11:31
